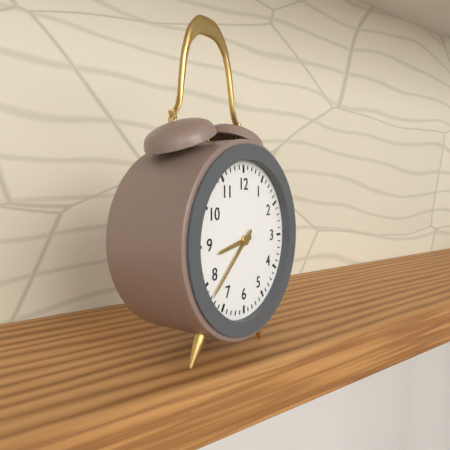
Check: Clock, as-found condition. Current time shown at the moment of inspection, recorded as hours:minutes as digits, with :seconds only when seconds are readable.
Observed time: 8:38
